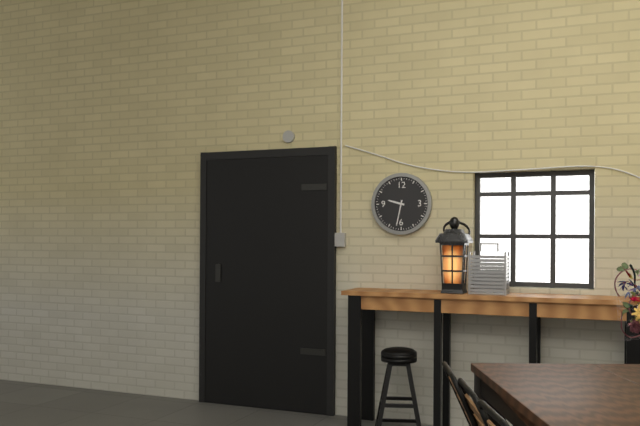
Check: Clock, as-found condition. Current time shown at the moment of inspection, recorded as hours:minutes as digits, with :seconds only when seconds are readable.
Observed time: 9:32
